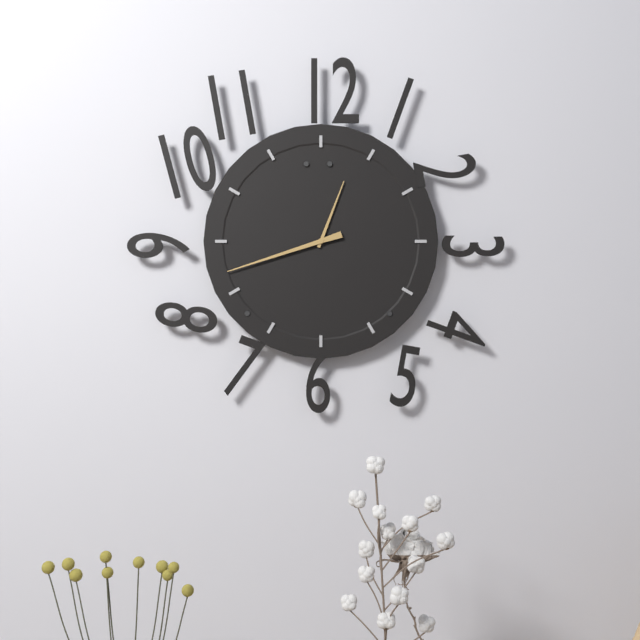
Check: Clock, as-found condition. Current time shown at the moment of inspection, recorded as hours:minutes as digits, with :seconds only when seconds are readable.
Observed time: 12:42
